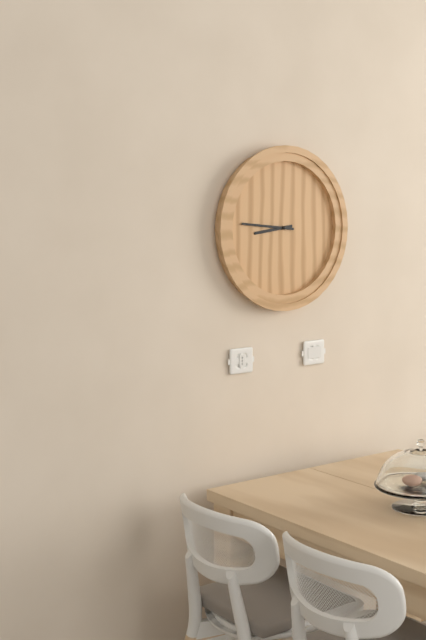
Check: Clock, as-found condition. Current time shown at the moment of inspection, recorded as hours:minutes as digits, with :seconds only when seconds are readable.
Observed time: 8:46
